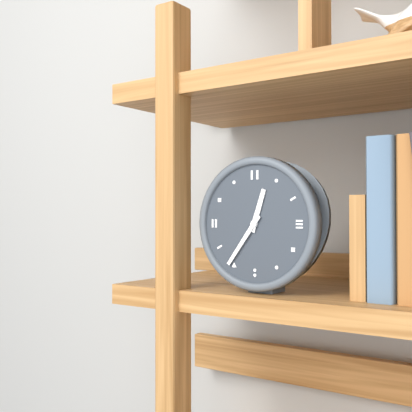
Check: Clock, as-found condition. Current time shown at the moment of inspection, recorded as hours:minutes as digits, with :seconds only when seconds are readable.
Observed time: 12:36
